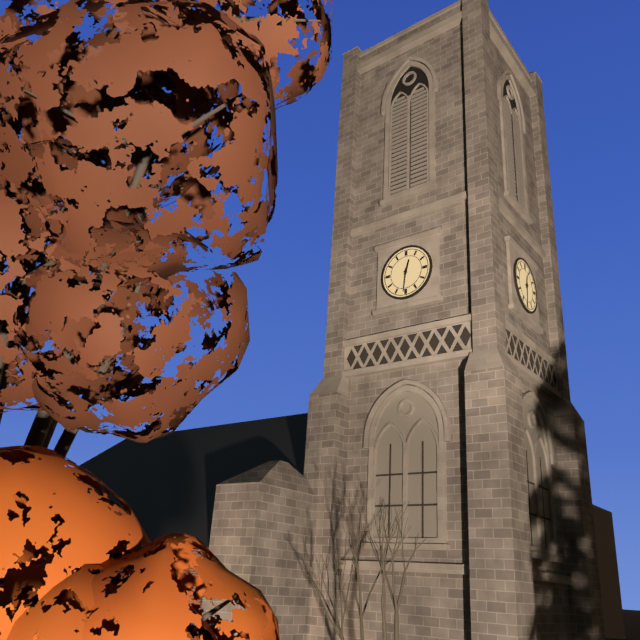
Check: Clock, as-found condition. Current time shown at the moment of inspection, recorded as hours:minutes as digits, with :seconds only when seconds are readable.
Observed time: 12:31
